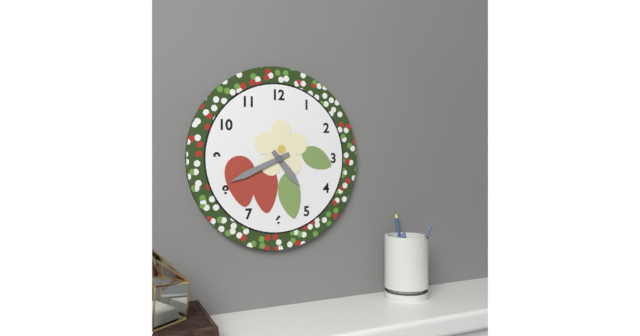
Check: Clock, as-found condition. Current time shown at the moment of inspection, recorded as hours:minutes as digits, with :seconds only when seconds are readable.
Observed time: 4:41
